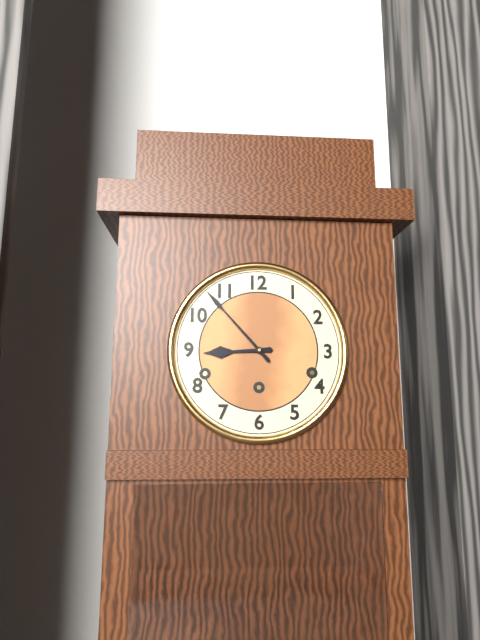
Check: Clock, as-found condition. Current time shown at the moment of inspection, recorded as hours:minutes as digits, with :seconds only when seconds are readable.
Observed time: 8:53
